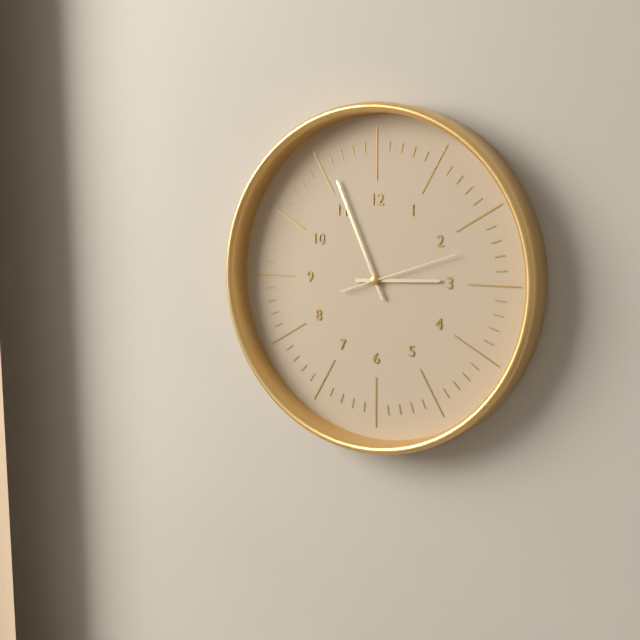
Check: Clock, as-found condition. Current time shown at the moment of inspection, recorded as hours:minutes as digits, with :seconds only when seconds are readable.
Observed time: 2:56:12
